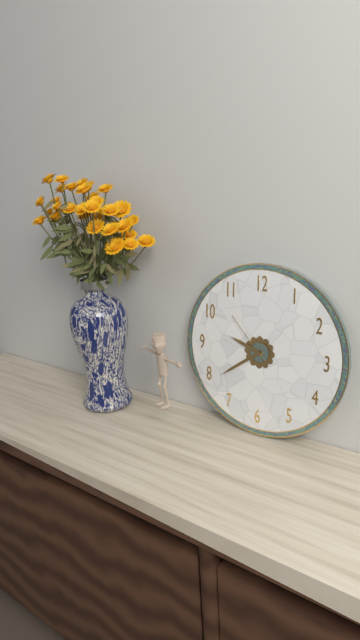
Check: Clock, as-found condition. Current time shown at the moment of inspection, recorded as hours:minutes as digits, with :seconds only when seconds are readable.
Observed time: 9:39:53
